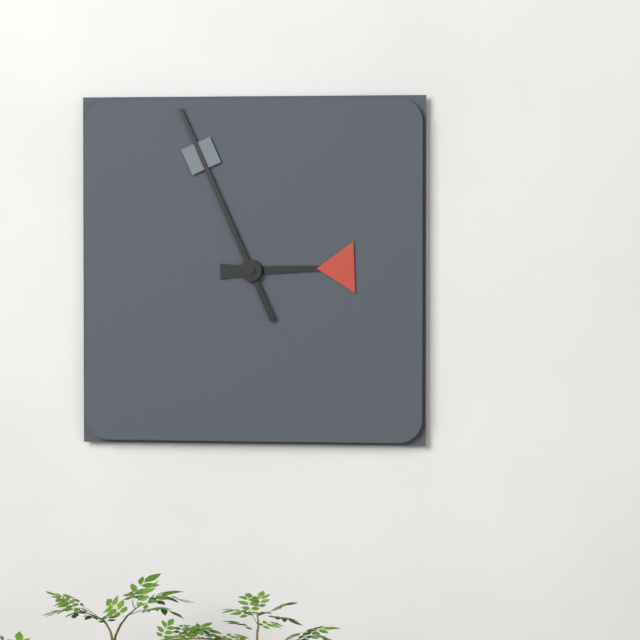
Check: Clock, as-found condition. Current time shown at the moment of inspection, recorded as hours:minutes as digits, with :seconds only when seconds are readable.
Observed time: 2:56
